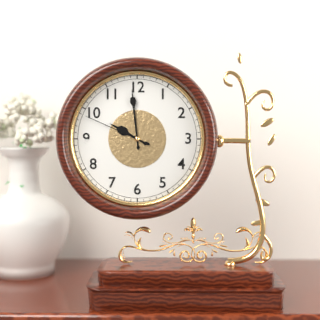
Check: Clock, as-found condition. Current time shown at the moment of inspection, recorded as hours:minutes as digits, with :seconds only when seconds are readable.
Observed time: 9:59:49
